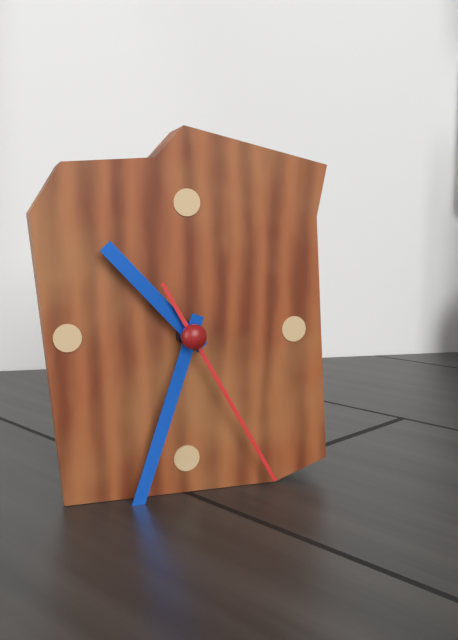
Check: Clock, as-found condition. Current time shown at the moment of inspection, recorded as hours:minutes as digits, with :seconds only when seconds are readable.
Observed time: 10:33:25
